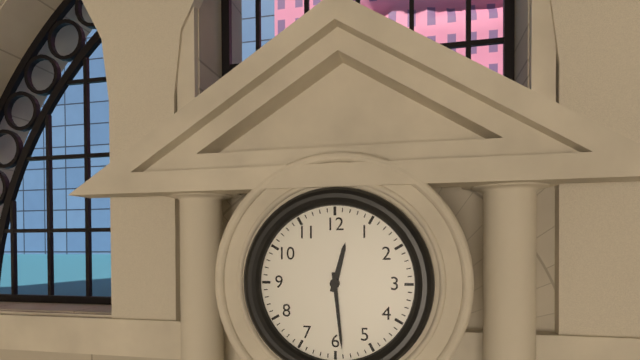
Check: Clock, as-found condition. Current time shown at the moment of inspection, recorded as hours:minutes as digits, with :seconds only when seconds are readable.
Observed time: 12:29
